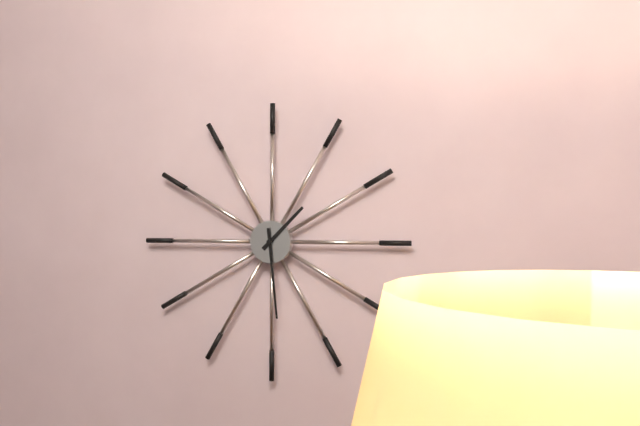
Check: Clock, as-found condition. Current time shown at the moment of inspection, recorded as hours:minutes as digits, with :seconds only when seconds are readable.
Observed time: 1:29
